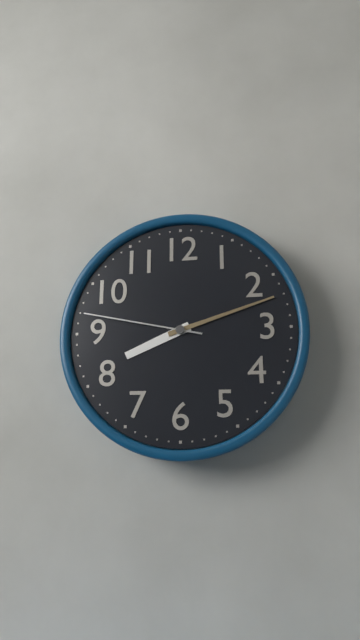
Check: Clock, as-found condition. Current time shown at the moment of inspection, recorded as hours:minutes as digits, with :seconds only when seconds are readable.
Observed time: 8:12:47
